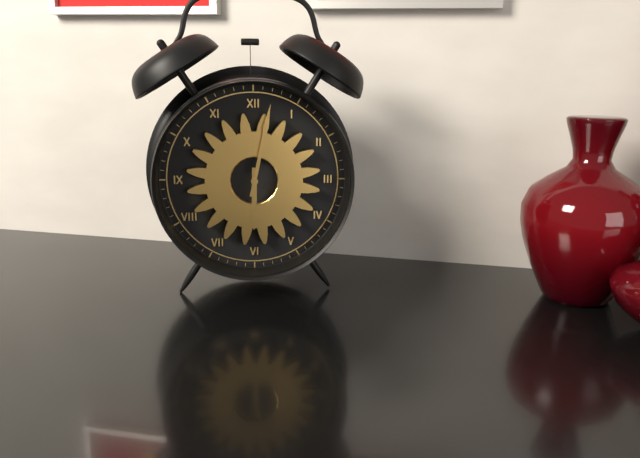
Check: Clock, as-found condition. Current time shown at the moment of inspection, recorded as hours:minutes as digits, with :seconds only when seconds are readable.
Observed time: 6:02
